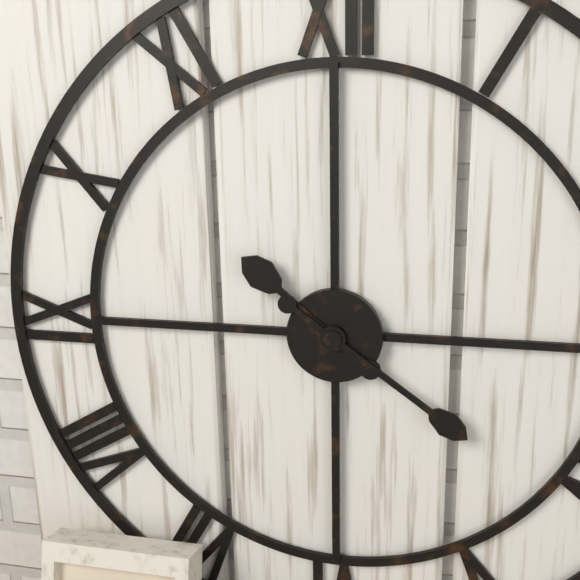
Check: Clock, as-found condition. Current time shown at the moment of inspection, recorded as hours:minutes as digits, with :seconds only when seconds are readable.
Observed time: 10:21
